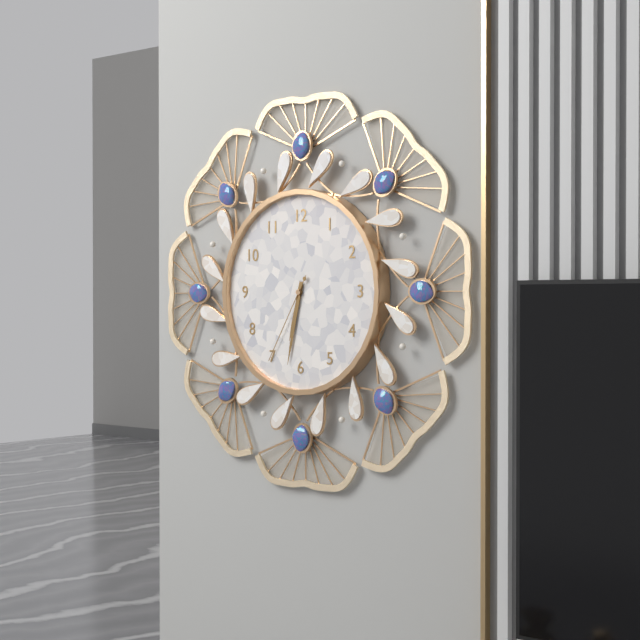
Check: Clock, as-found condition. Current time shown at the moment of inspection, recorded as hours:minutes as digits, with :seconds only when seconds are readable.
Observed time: 6:32:35
